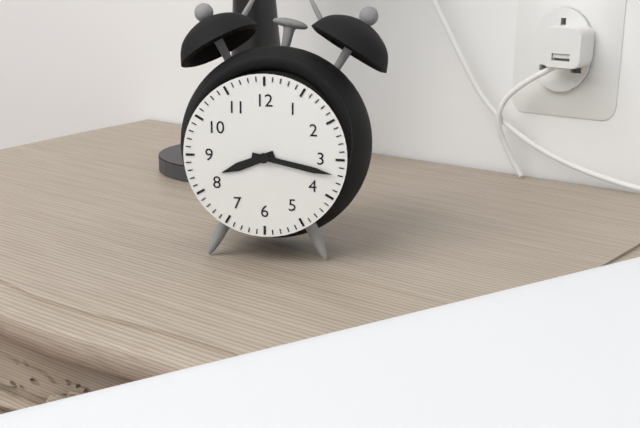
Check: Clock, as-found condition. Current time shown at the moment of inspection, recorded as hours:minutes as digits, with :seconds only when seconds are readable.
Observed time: 8:17
